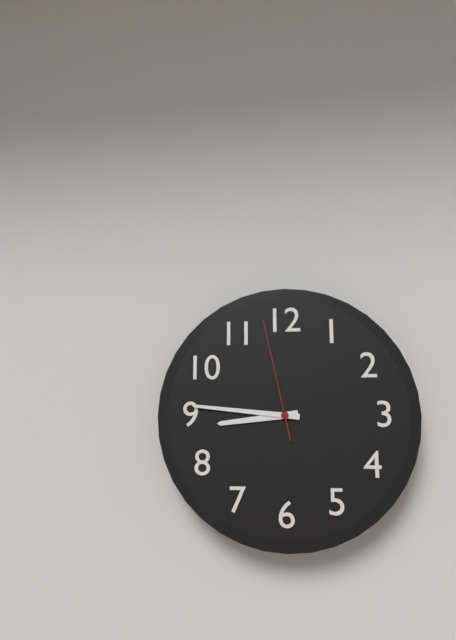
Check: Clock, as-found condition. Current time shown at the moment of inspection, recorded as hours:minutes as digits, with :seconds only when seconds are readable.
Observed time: 8:46:58
